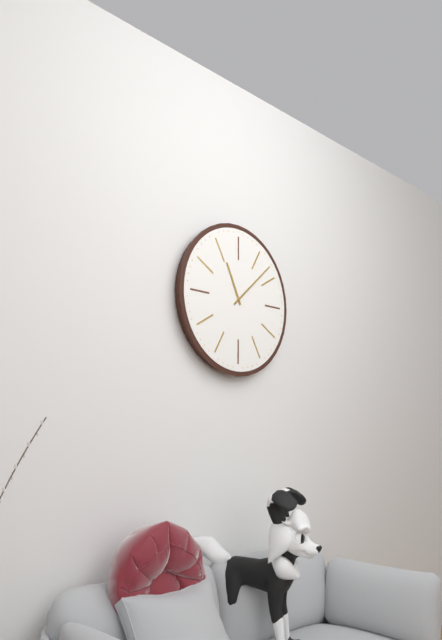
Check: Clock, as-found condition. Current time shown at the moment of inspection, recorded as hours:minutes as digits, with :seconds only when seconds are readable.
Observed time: 11:08
